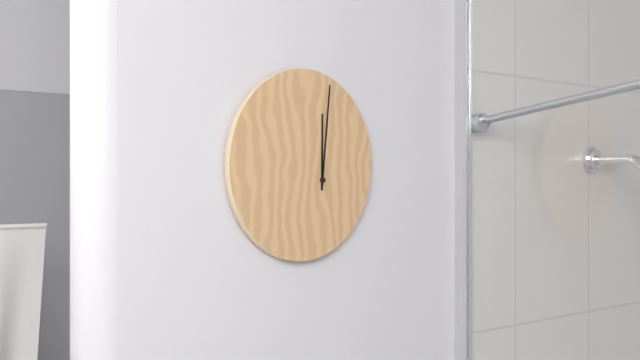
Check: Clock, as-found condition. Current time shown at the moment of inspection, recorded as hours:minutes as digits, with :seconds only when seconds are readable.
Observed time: 12:01
